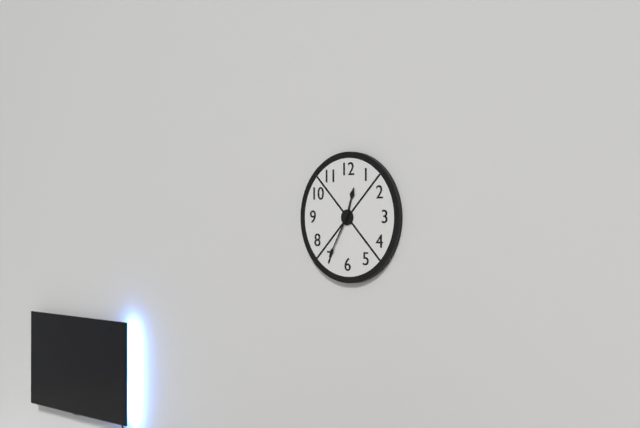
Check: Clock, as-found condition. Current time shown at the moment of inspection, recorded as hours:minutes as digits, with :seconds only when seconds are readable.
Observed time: 12:35
